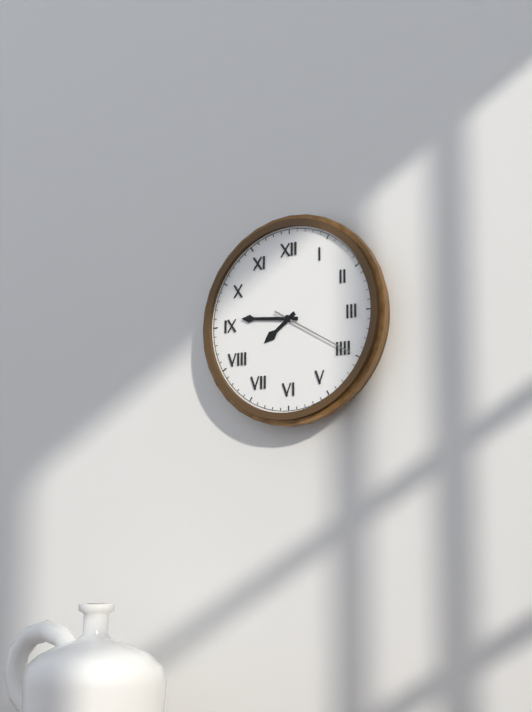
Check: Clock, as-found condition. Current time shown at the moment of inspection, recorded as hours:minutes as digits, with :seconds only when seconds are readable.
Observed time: 7:46:20
